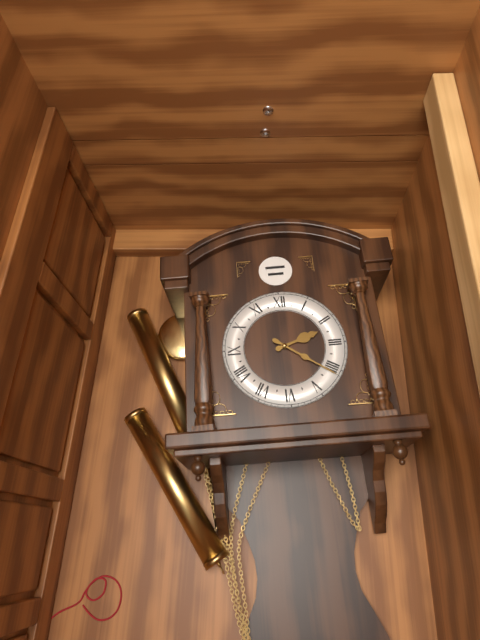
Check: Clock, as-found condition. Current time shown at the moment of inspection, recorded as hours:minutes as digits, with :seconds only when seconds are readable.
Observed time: 2:21
